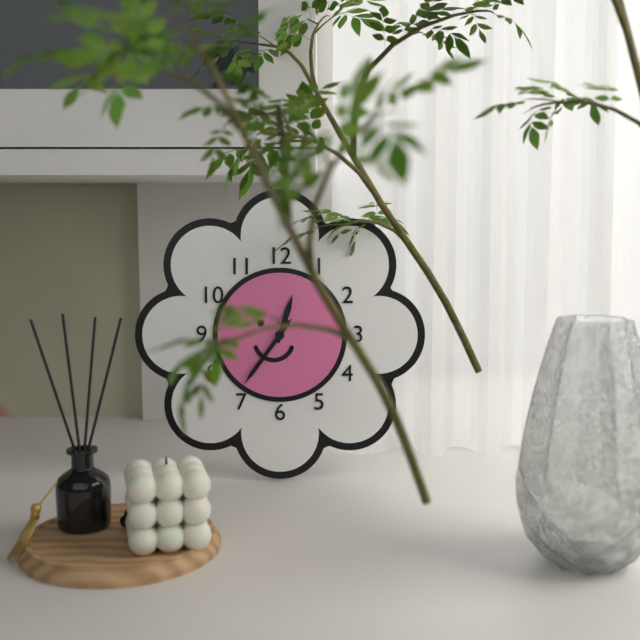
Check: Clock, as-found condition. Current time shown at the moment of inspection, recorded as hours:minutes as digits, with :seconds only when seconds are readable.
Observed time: 12:36:36
